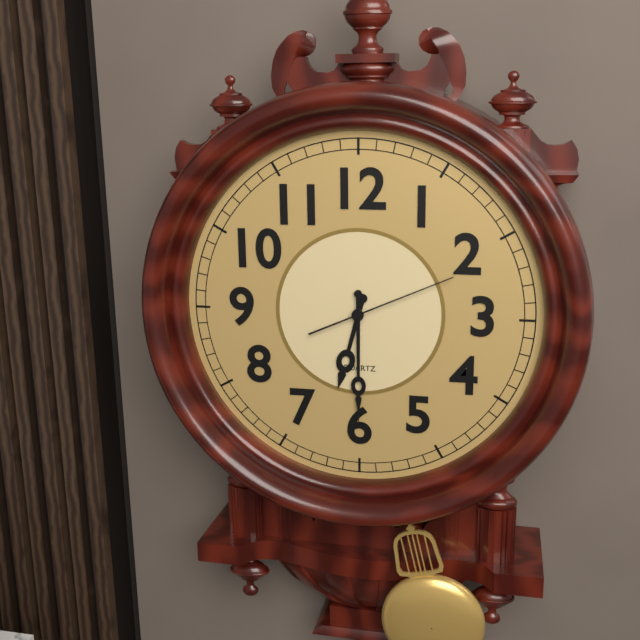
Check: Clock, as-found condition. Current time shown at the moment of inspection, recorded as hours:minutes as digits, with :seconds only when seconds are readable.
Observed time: 6:30:11
